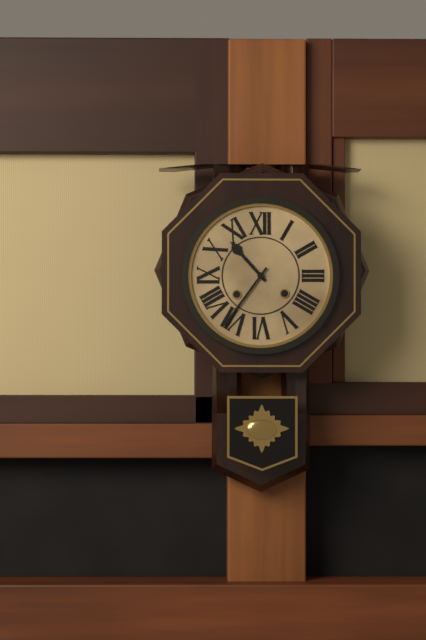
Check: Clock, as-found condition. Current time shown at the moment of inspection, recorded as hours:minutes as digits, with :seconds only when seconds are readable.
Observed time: 10:36
